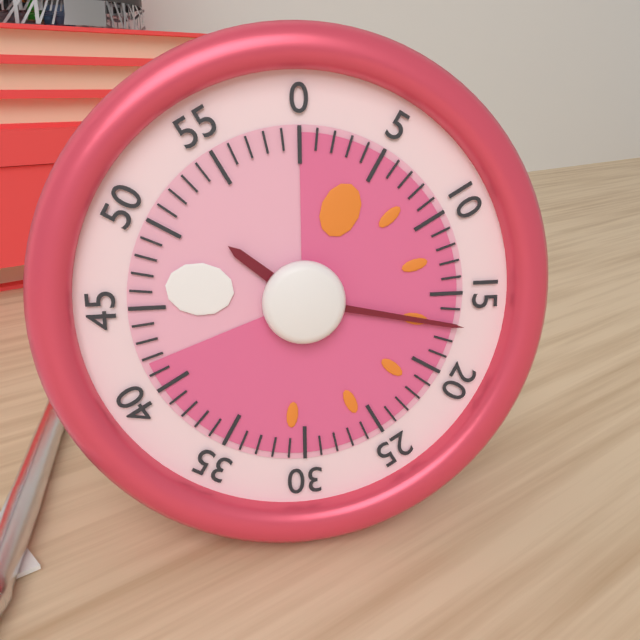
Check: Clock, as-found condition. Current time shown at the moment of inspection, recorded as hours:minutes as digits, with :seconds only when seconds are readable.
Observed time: 10:17
